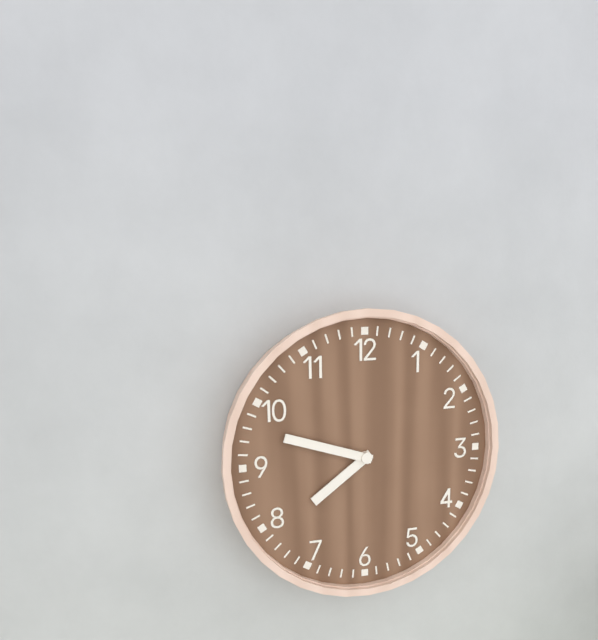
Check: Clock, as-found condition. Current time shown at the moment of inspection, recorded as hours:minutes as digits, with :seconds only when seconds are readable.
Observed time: 7:48
